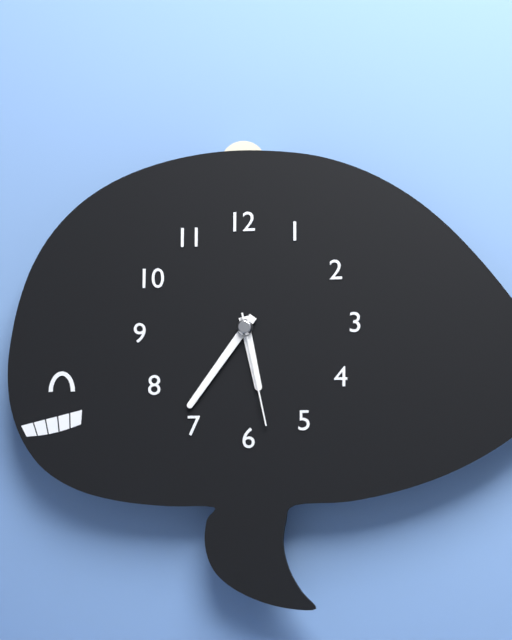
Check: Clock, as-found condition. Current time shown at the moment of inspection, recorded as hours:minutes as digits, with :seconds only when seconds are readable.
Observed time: 5:36:28
